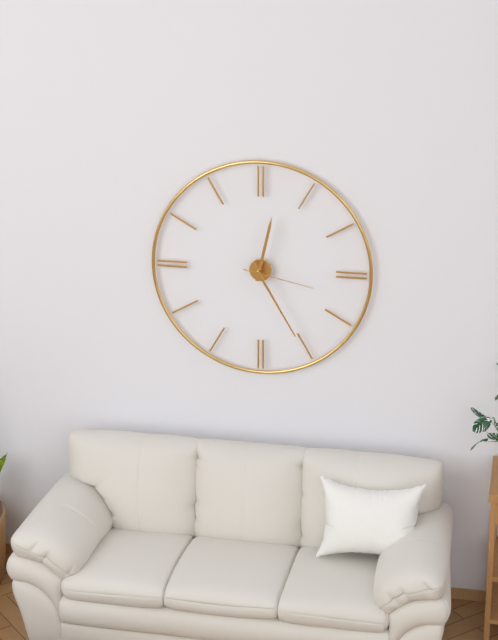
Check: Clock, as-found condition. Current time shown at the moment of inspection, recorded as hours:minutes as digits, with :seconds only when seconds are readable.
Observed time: 12:25:17
